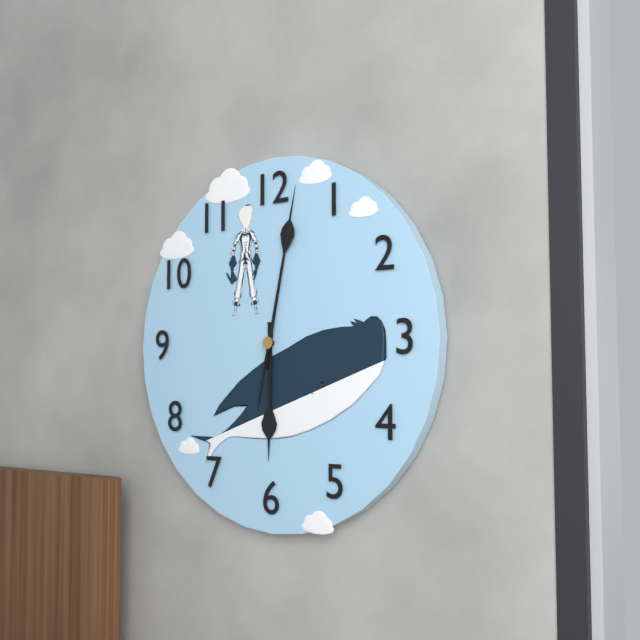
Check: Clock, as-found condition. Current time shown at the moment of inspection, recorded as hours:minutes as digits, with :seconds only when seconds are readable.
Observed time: 6:02:32
